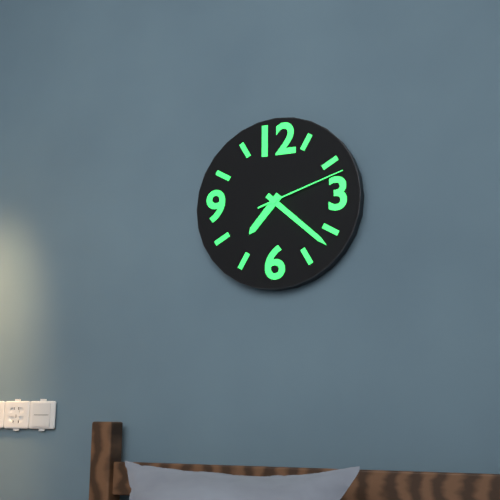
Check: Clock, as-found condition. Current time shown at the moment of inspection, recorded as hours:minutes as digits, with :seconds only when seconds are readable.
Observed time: 7:22:12
